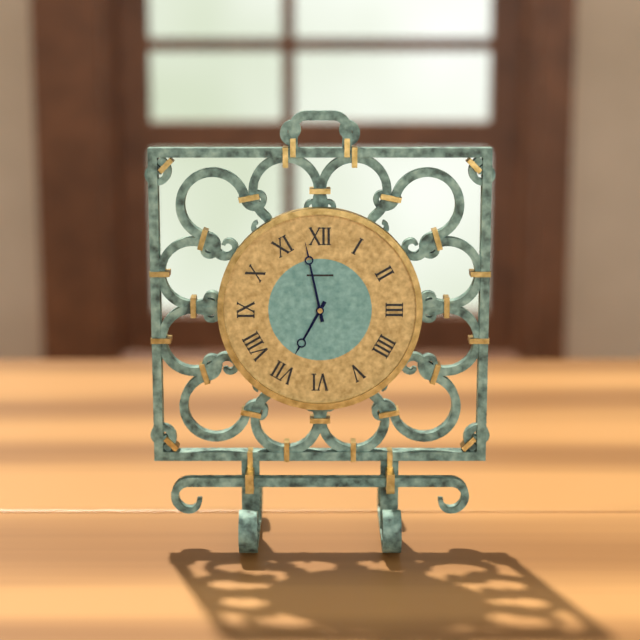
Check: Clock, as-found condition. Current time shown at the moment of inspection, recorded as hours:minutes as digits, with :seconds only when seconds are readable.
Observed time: 6:58
